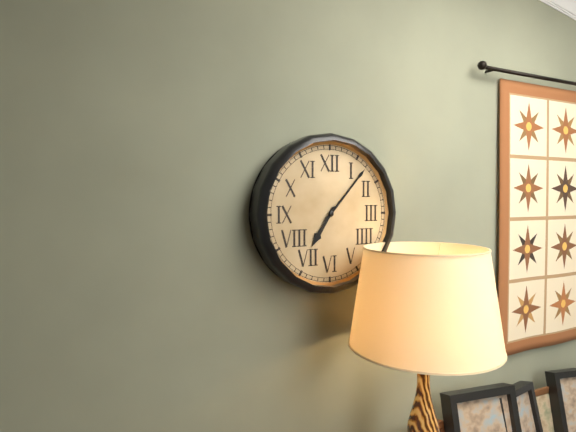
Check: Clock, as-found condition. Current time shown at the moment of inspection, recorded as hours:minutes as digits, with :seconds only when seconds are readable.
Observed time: 7:07
